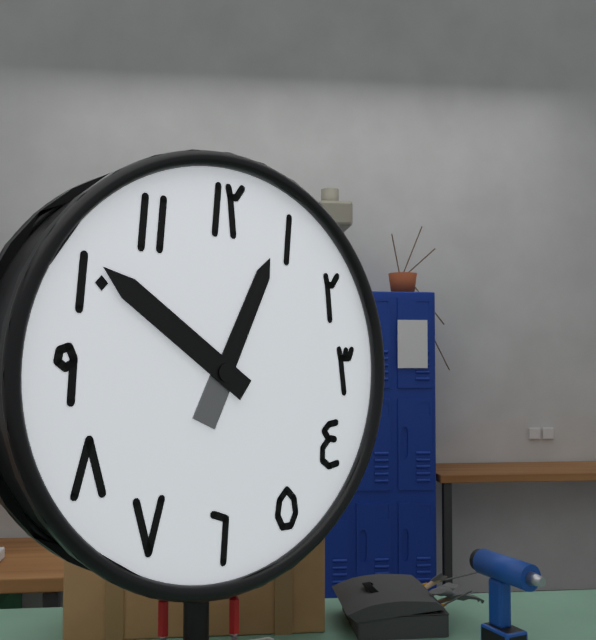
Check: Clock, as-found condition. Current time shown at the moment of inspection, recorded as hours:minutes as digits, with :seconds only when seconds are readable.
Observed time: 12:51
